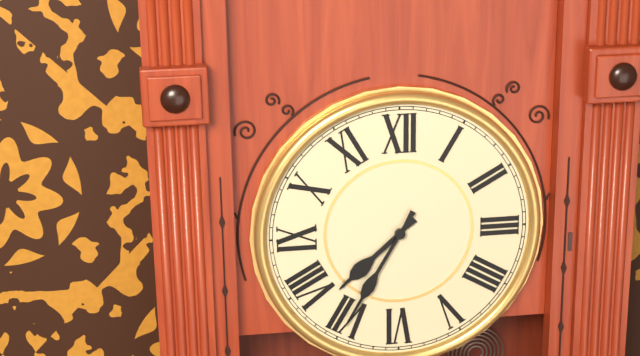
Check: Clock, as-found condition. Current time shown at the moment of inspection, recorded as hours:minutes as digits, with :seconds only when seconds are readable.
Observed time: 7:35
